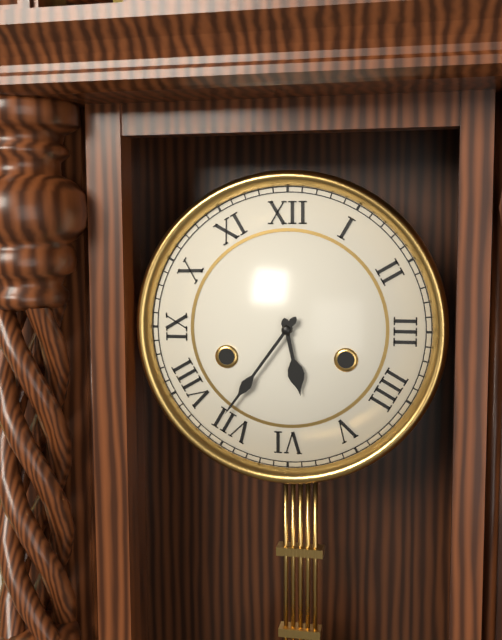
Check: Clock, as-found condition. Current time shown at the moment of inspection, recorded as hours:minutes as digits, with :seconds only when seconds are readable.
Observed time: 5:36
